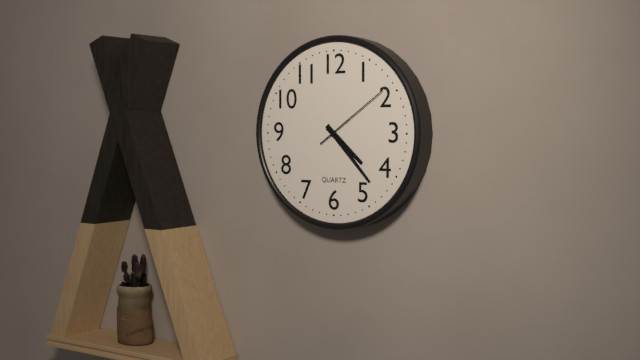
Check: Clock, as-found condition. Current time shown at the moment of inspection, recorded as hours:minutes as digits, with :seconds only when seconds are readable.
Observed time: 4:23:09
